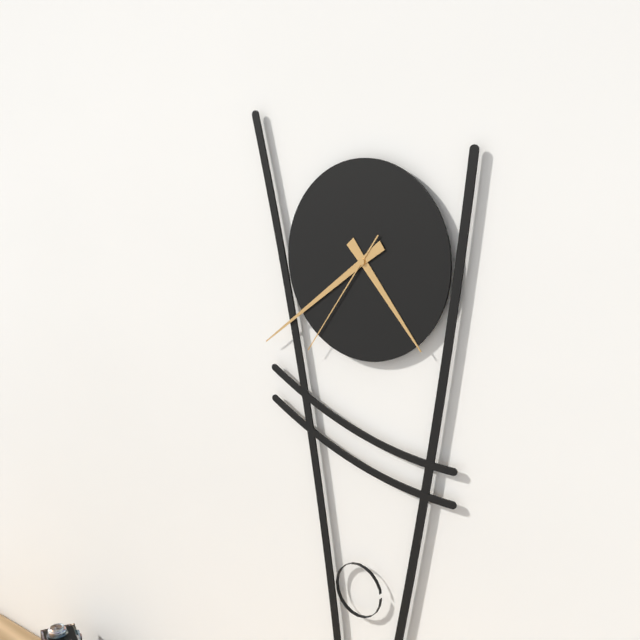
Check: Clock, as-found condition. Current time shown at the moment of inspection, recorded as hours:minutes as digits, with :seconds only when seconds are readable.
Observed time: 4:39:36
